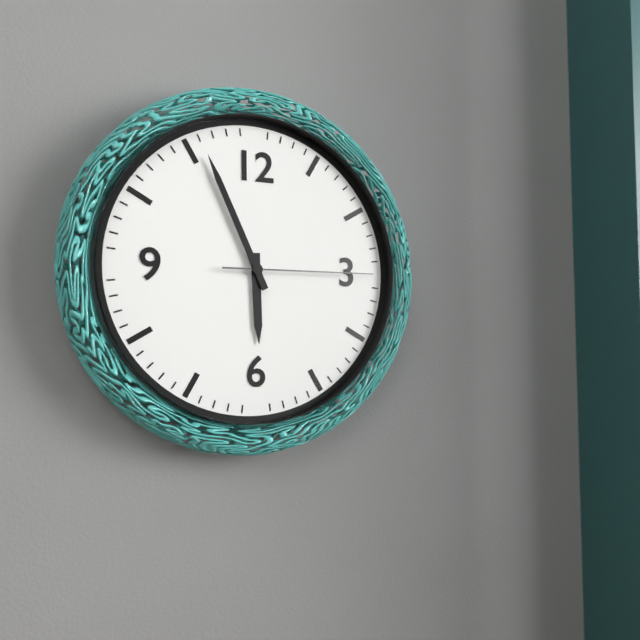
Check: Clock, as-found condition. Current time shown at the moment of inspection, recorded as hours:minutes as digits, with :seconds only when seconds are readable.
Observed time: 5:56:15
